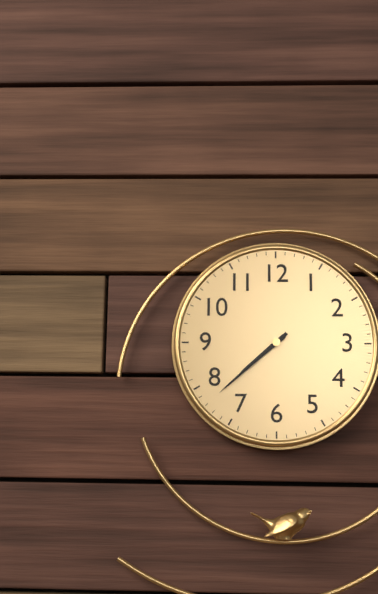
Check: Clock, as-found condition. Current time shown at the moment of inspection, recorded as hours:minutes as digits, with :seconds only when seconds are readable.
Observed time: 7:38
